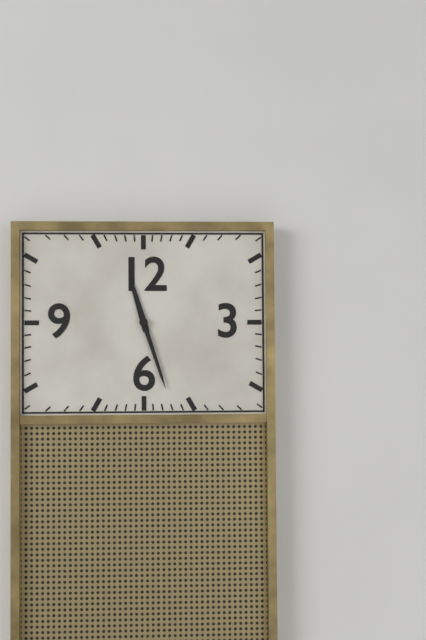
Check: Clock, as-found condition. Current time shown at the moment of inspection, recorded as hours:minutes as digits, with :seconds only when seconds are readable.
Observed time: 11:27
